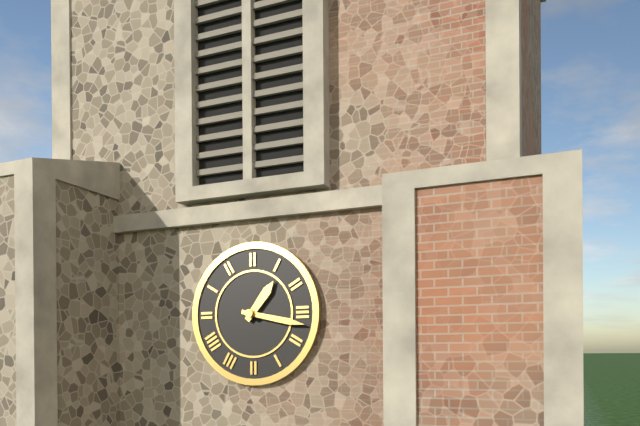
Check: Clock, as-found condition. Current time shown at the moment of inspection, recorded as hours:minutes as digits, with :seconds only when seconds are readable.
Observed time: 1:17
